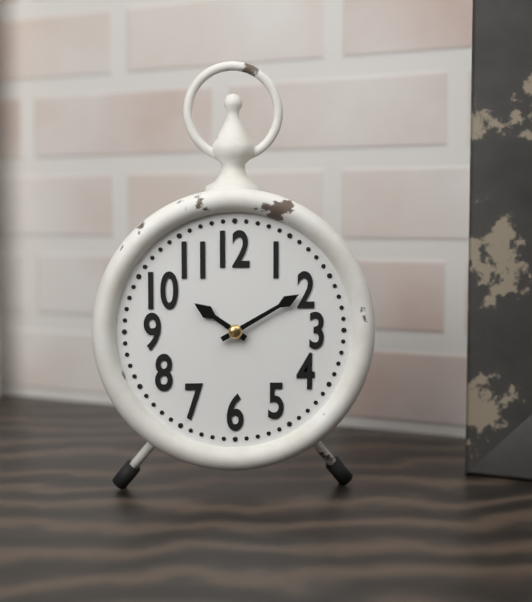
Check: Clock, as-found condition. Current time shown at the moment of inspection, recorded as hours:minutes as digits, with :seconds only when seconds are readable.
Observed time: 10:10
